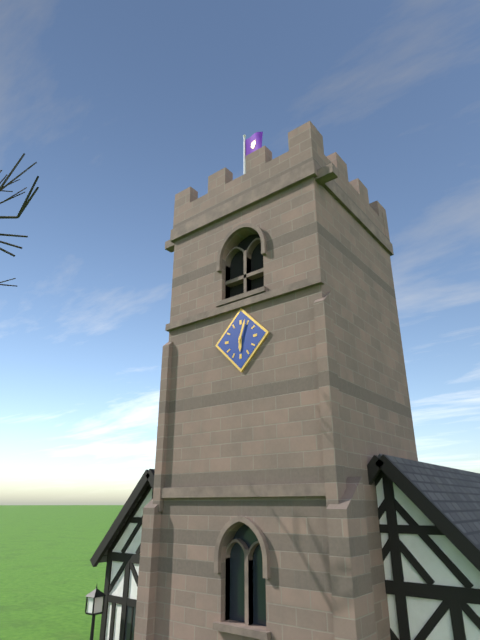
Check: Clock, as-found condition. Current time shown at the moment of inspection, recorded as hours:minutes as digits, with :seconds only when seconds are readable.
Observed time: 6:03
